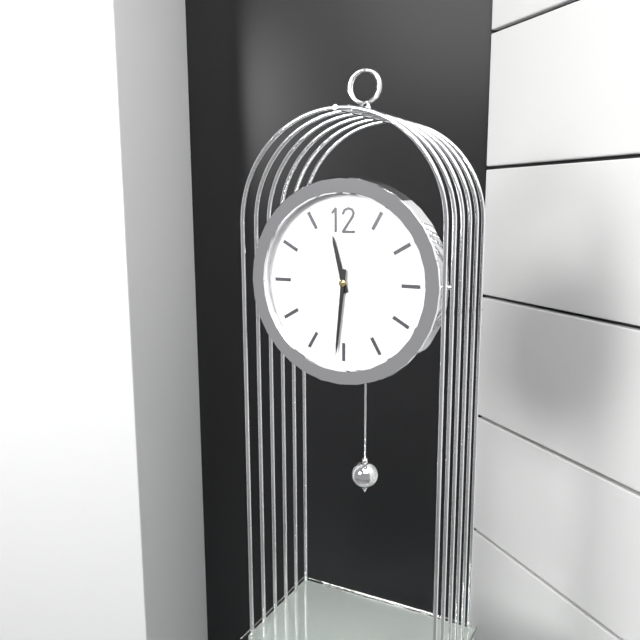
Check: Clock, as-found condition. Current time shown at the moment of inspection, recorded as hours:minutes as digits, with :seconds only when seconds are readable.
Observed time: 11:31
